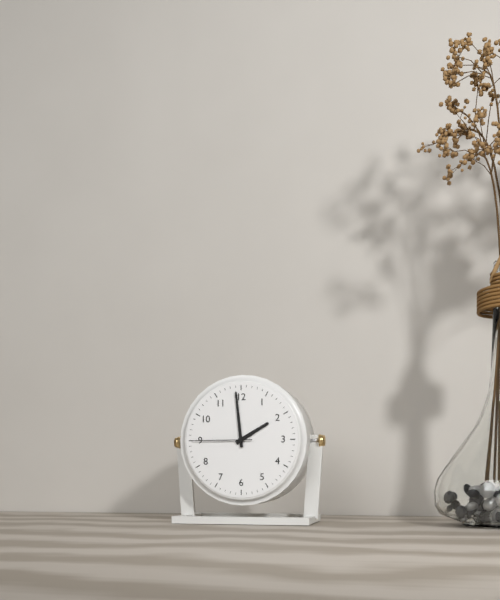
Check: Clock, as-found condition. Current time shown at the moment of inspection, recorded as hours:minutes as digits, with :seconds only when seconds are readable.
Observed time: 1:59:45
